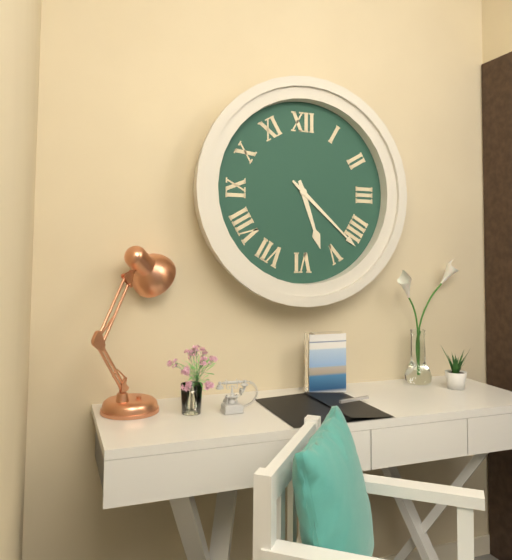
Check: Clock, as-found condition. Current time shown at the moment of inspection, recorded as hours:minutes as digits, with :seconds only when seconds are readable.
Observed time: 5:22
